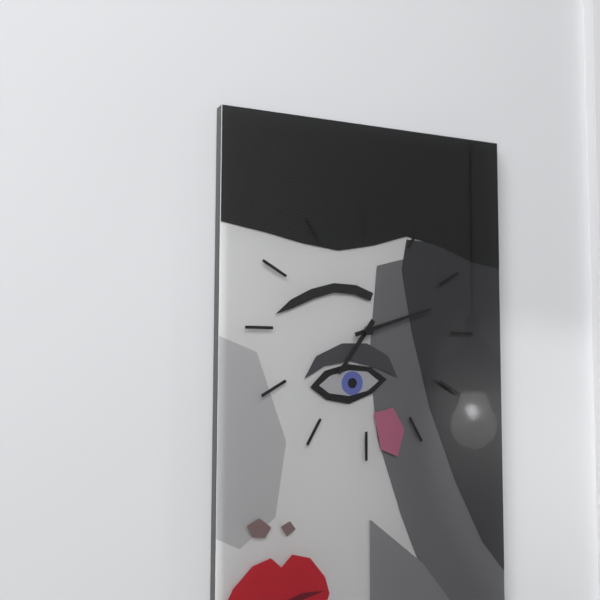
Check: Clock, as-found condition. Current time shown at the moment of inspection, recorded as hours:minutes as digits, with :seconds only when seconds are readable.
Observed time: 7:12
